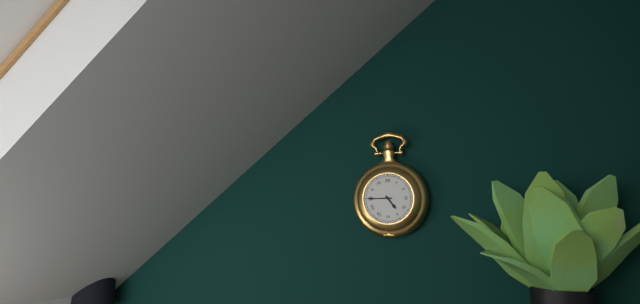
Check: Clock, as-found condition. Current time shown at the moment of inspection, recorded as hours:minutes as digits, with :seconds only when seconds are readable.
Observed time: 4:45
